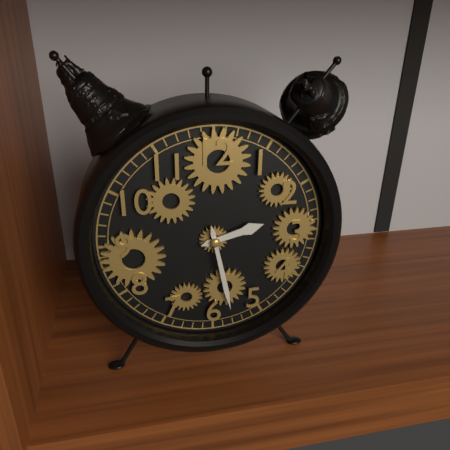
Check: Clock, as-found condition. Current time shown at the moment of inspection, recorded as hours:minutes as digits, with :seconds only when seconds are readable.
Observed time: 2:28
